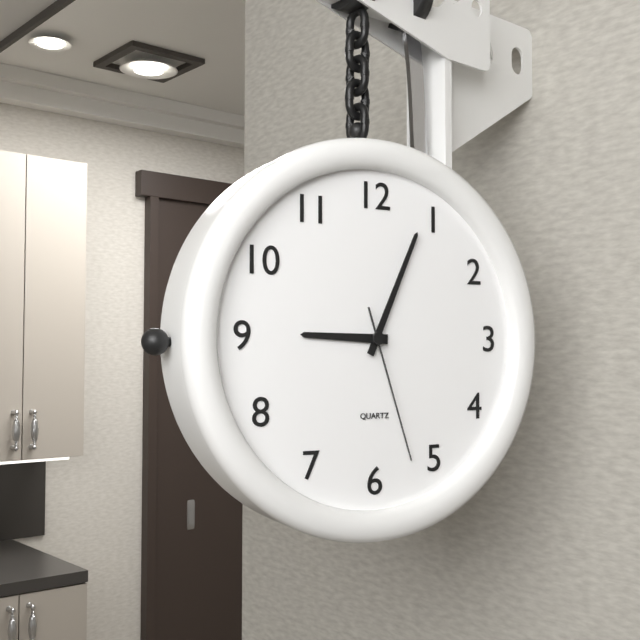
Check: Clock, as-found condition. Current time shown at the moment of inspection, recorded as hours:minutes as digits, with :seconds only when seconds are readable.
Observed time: 9:04:27
